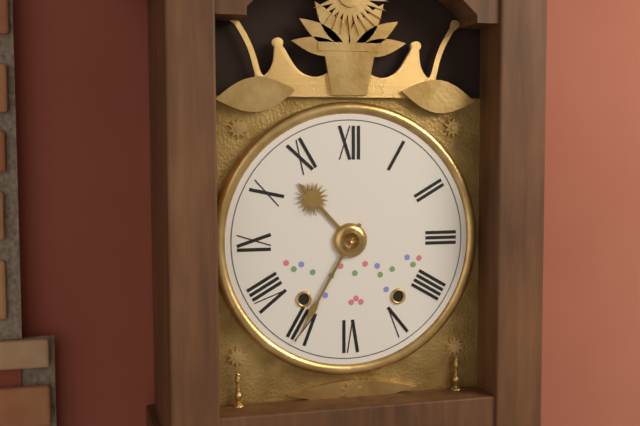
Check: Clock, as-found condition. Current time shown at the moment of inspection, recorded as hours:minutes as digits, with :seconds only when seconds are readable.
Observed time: 10:35
